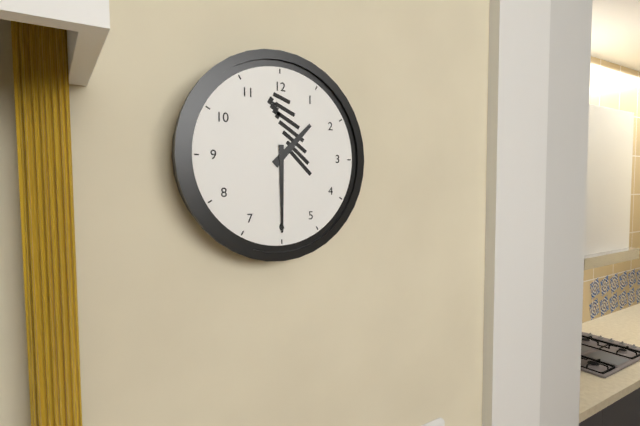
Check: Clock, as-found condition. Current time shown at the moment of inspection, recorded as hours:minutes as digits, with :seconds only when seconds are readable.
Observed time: 1:30
